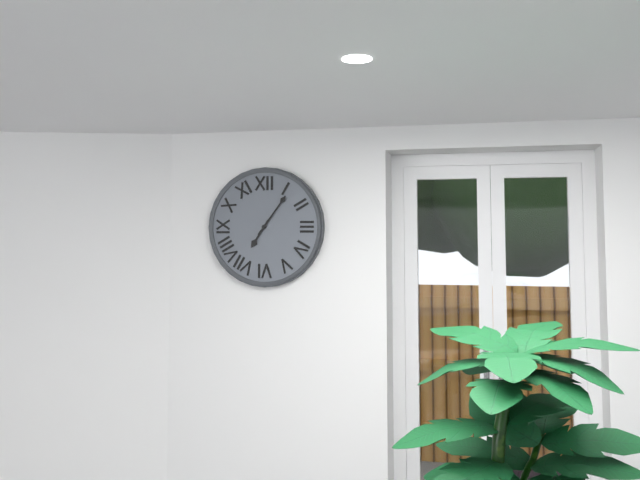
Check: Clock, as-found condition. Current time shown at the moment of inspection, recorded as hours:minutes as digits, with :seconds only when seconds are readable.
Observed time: 7:06
